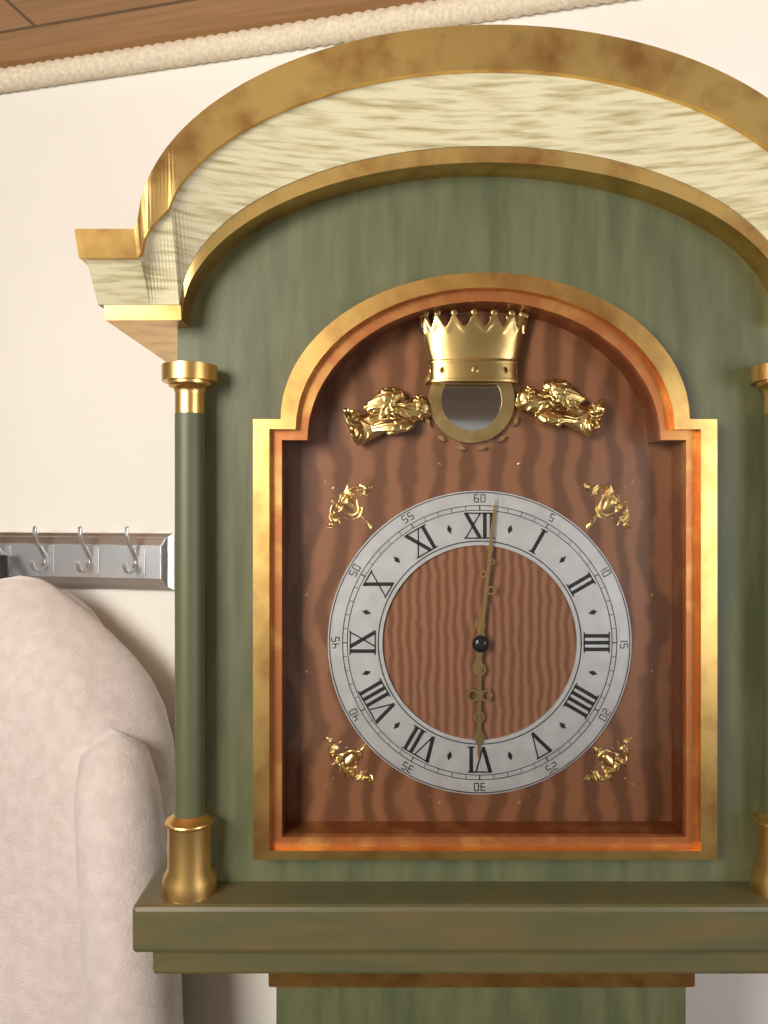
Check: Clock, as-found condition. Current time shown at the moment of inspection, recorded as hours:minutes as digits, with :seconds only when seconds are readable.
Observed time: 6:01
